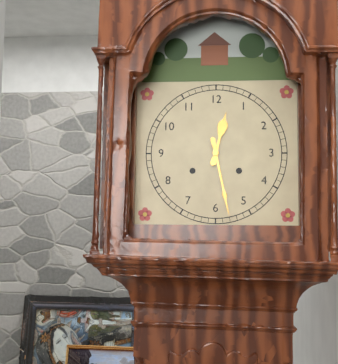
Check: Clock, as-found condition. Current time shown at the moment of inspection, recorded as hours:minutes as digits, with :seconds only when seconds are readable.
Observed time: 12:28
